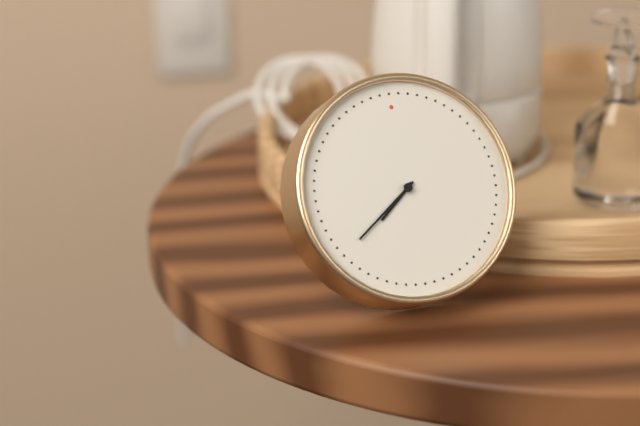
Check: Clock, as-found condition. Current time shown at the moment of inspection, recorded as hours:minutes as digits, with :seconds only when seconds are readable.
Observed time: 7:39
